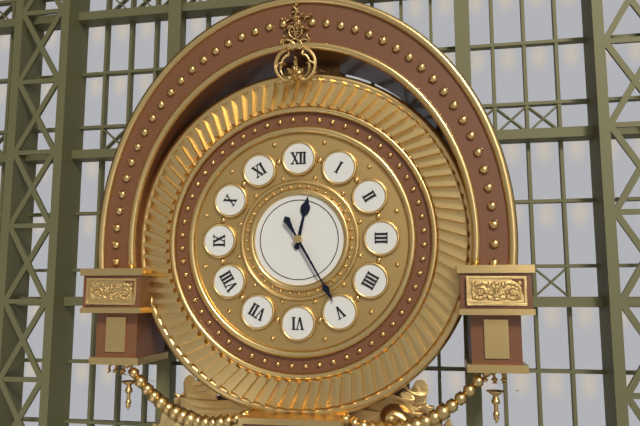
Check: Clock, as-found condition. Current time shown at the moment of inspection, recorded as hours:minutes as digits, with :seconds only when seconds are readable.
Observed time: 12:25
